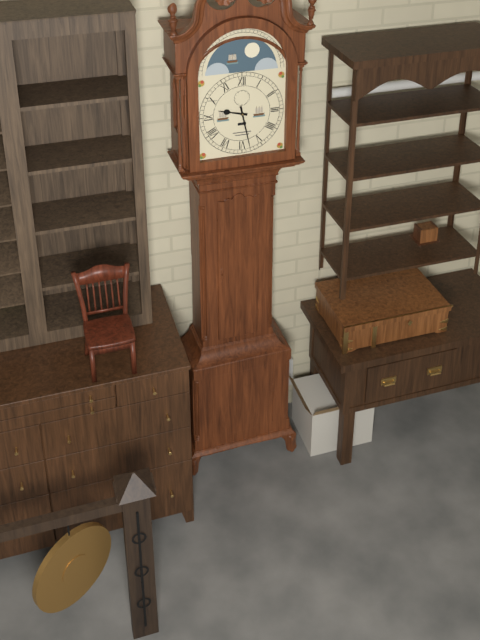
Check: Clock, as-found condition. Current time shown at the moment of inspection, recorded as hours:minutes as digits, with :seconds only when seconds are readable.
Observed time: 9:28
